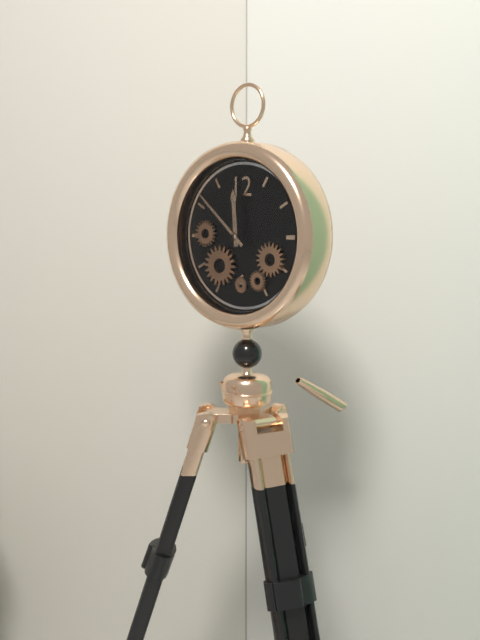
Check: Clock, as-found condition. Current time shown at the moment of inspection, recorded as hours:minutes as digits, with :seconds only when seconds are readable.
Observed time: 11:52
